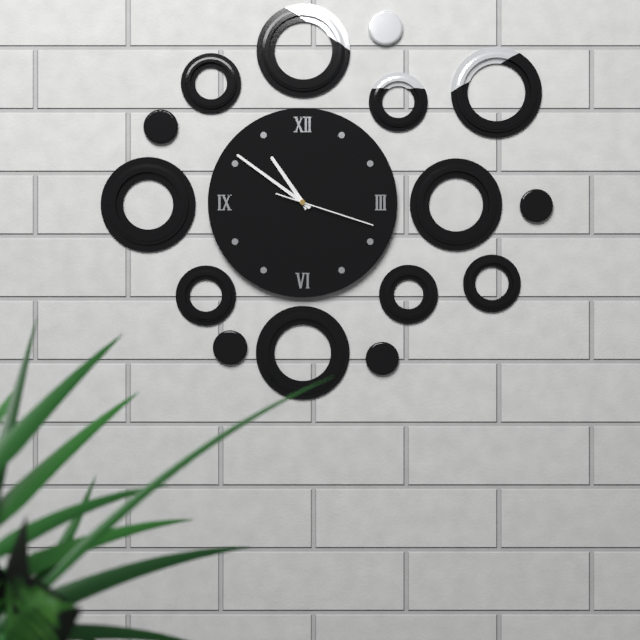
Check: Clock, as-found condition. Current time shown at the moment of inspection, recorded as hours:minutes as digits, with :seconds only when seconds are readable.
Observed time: 10:51:18
